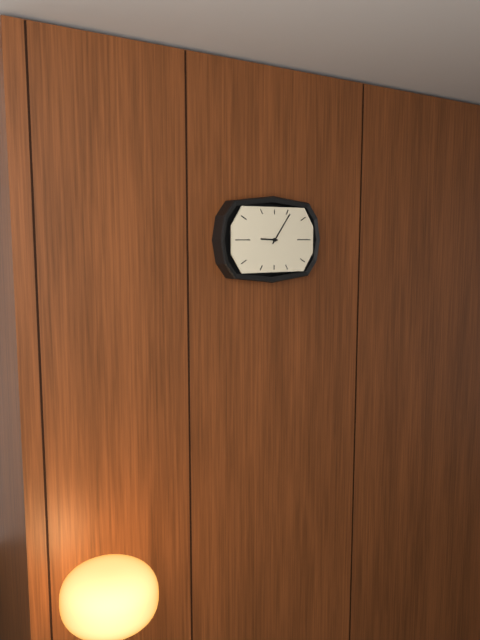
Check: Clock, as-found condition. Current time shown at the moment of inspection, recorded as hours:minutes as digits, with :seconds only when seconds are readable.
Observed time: 9:06
